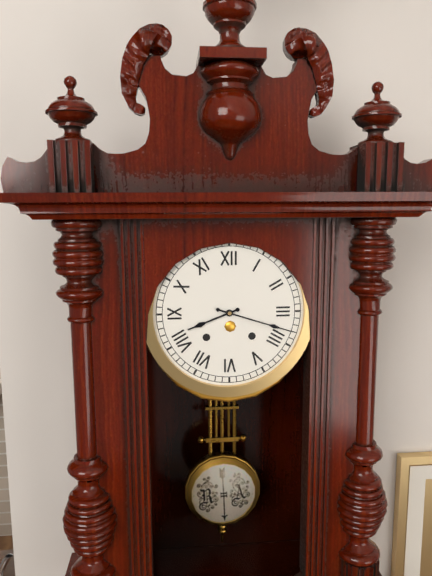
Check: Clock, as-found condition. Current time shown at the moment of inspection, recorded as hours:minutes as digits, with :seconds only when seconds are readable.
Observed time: 8:18
